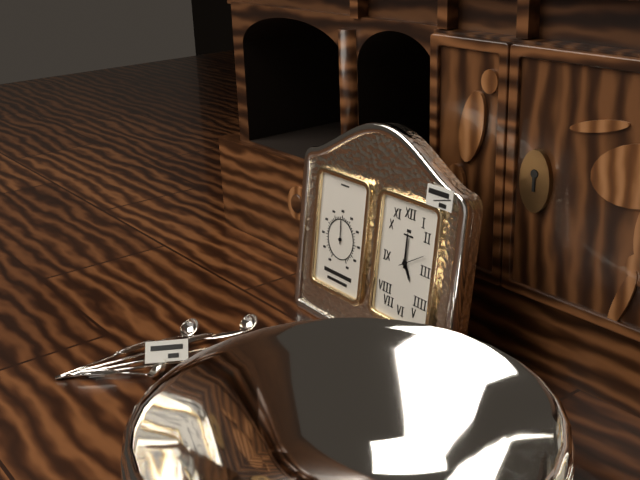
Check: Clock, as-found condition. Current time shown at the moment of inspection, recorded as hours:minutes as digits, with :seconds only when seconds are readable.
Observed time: 5:00
